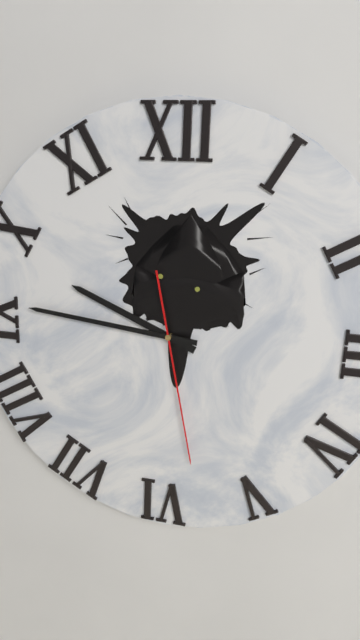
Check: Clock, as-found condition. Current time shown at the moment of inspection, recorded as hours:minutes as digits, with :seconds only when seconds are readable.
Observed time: 9:46:28
